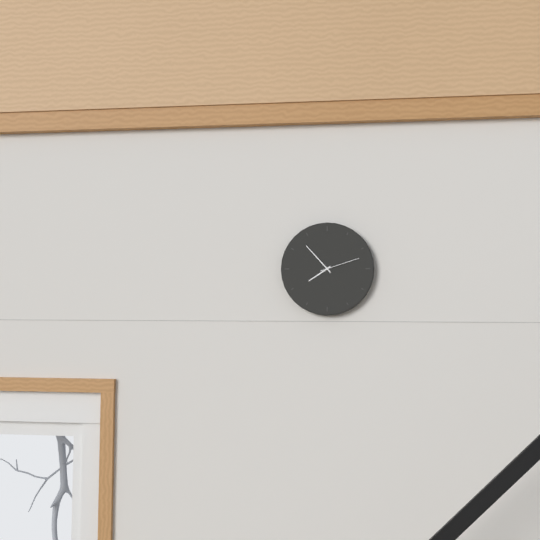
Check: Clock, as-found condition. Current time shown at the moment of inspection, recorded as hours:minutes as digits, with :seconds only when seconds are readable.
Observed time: 7:53
